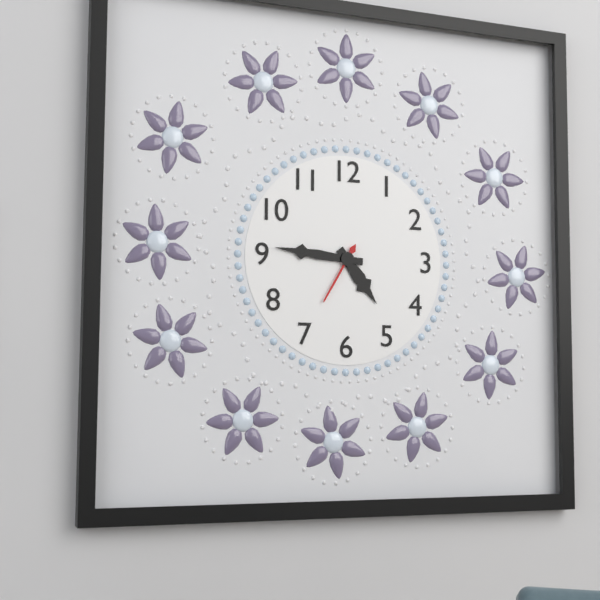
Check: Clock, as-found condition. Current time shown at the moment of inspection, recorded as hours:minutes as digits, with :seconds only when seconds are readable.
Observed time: 4:46:35
